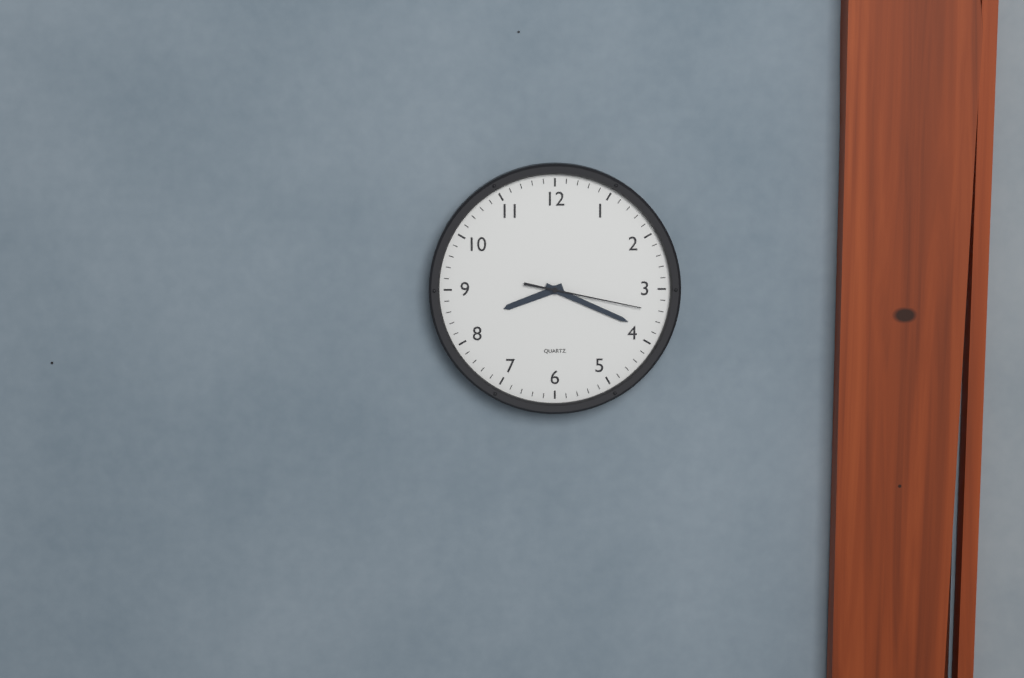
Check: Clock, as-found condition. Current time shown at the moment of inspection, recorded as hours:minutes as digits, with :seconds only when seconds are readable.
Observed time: 8:19:17
